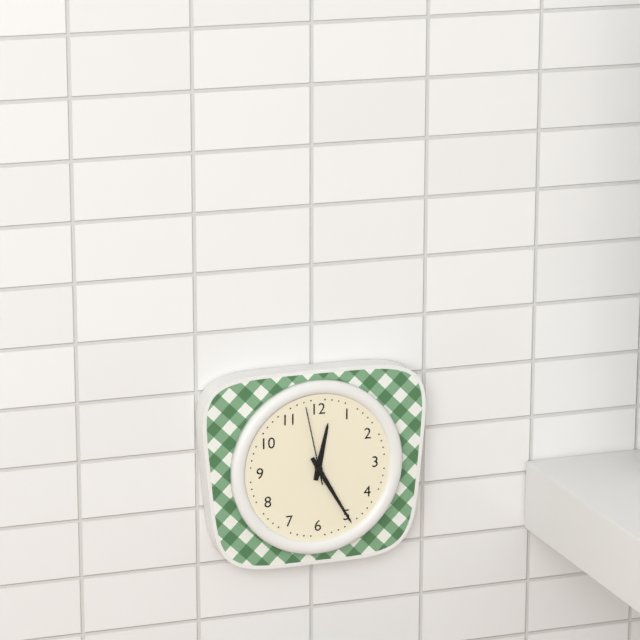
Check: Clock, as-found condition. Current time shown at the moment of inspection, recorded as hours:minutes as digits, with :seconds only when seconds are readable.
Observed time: 12:25:58
